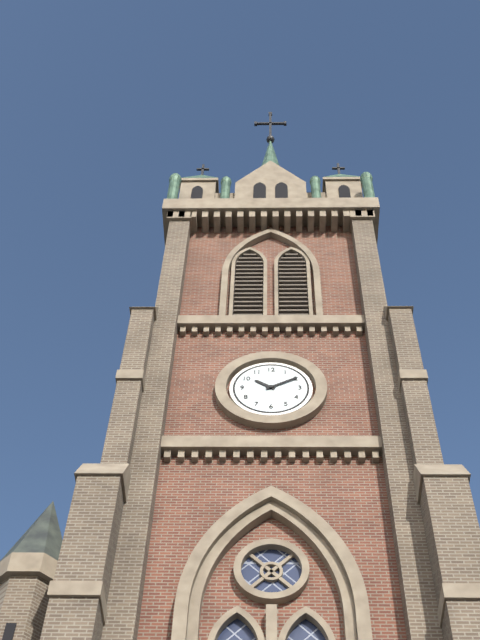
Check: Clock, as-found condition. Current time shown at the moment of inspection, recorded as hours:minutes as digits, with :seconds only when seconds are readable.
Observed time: 10:10
